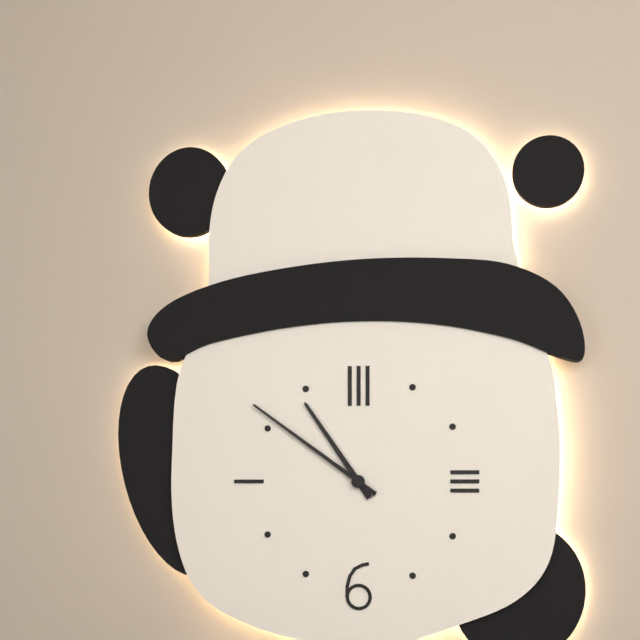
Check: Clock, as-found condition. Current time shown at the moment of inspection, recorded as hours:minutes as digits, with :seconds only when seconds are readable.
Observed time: 10:51
